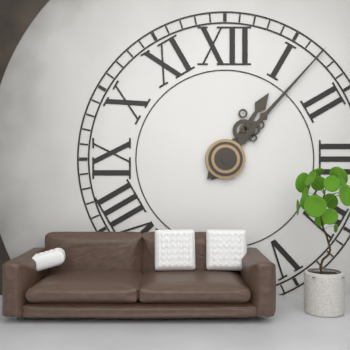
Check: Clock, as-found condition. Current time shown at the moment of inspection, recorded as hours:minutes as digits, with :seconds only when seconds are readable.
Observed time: 1:07
